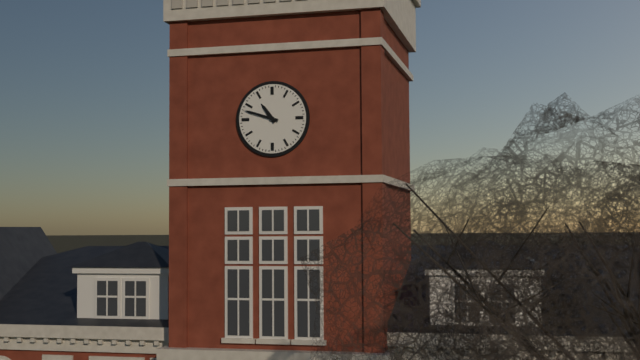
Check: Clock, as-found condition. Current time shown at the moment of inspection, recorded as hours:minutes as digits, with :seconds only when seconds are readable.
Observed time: 10:48
